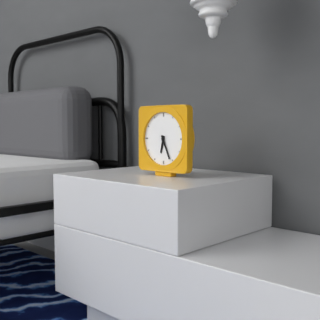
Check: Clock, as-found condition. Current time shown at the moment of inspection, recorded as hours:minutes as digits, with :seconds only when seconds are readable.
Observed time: 6:26
